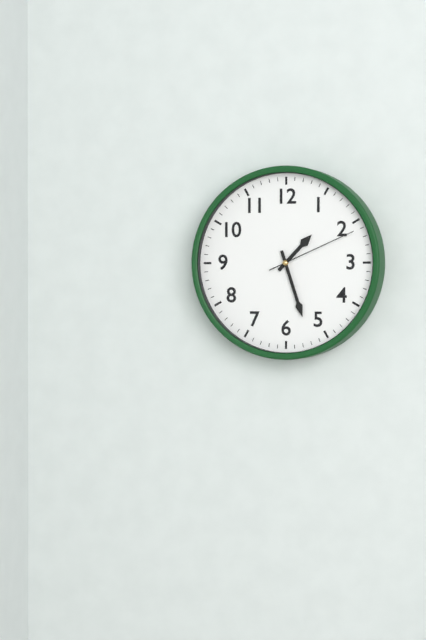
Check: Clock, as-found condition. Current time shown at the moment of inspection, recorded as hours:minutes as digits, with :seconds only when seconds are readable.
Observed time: 1:27:11
